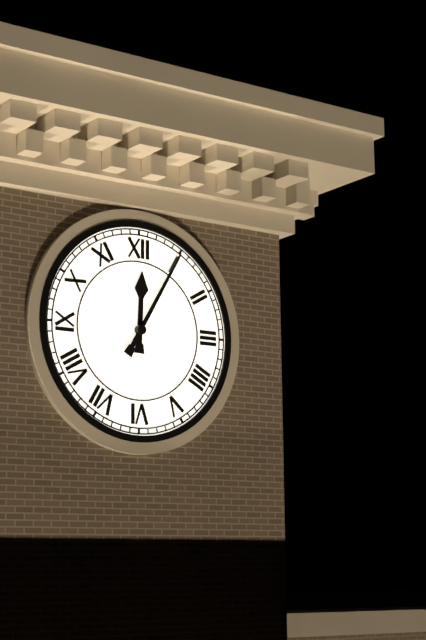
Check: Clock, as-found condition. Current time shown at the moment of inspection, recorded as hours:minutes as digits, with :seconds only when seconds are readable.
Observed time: 12:05
